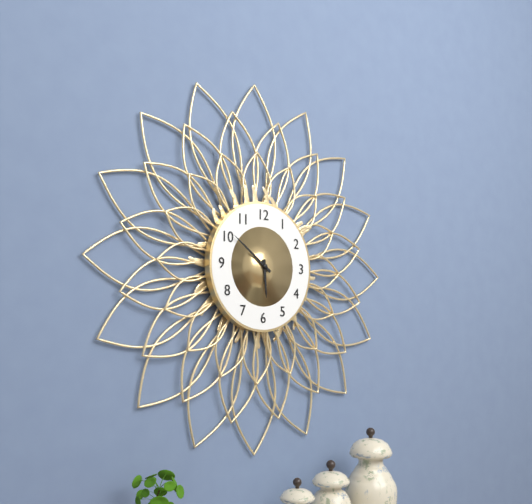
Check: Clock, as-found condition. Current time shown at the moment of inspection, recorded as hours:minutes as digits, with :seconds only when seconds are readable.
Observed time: 5:51
